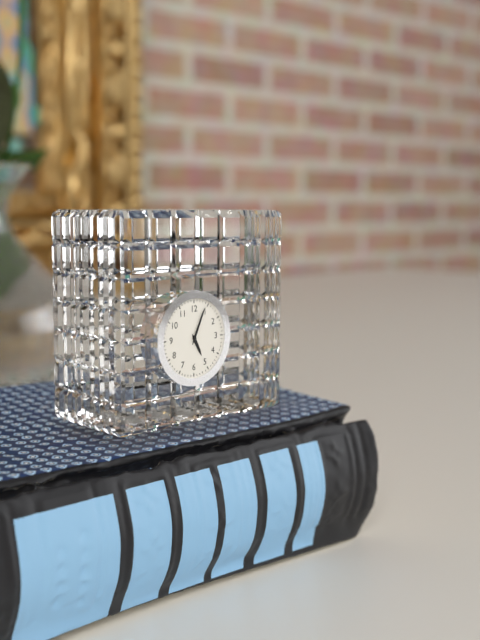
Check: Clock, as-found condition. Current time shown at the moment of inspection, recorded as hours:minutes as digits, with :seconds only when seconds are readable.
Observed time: 5:04
